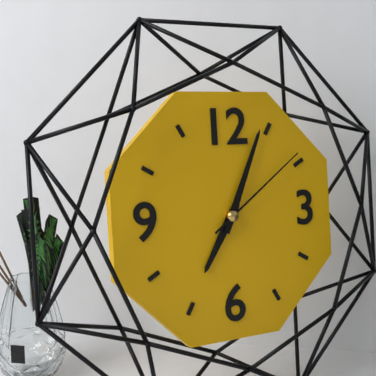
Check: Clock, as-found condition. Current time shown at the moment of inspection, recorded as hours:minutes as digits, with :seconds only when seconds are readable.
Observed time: 7:04:09
